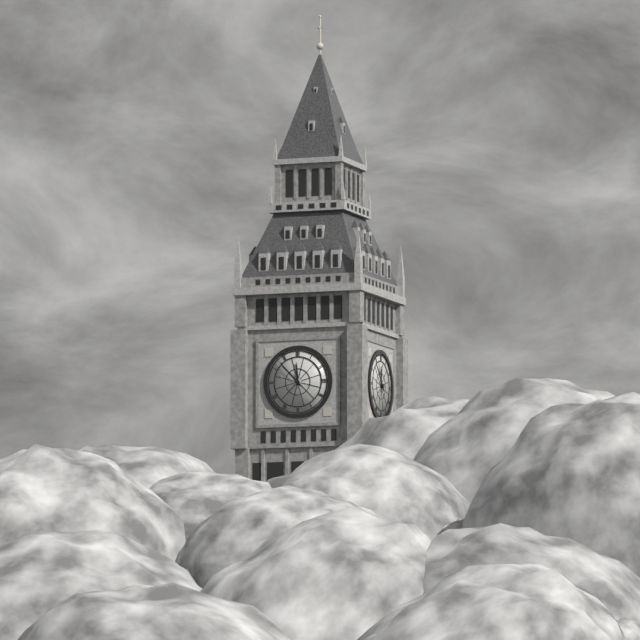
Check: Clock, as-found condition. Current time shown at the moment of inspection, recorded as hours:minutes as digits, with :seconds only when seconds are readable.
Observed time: 11:53
